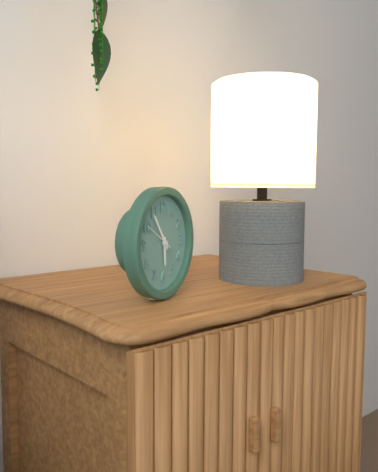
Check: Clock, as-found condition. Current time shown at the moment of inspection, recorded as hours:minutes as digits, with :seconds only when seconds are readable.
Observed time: 5:54
